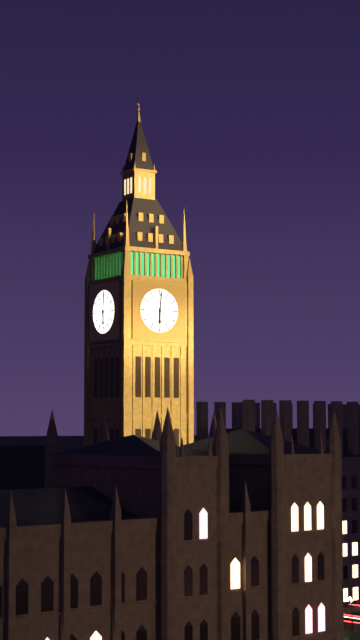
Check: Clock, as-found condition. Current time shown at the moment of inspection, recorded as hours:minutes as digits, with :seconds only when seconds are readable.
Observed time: 6:01
